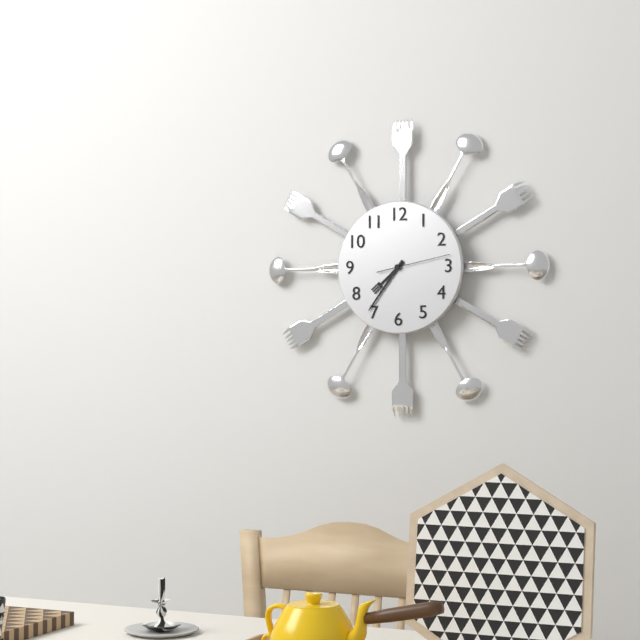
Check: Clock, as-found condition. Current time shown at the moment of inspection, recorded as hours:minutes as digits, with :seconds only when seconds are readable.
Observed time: 7:36:13
